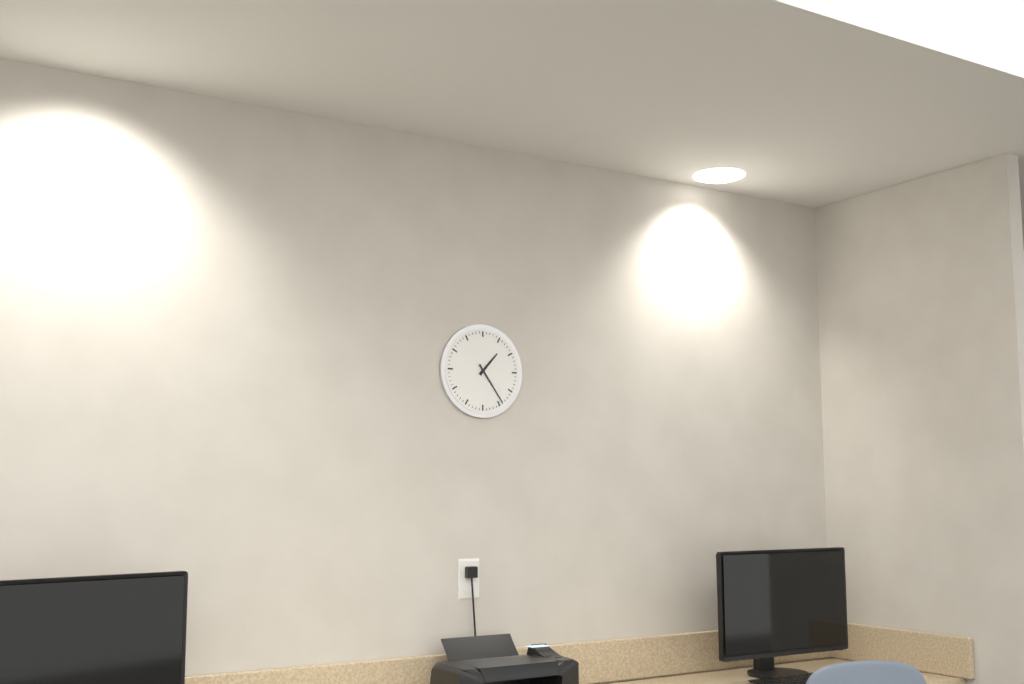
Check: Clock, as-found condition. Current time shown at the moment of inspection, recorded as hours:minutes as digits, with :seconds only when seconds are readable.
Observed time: 1:24
